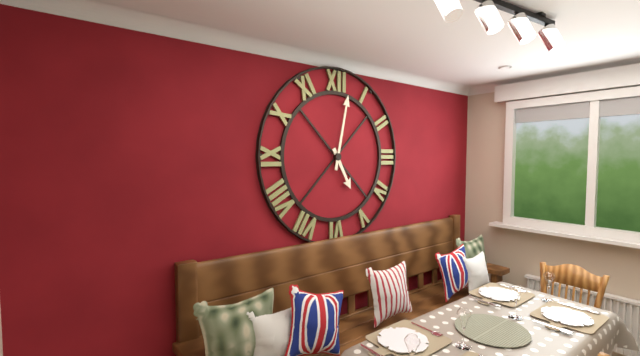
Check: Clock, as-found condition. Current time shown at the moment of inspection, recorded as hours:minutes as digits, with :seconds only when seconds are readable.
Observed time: 5:02
